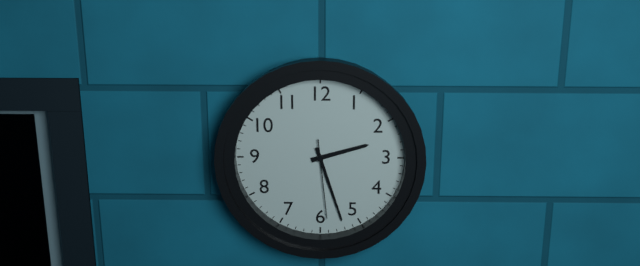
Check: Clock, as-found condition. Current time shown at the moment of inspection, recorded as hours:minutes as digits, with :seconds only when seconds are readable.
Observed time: 2:27:29
